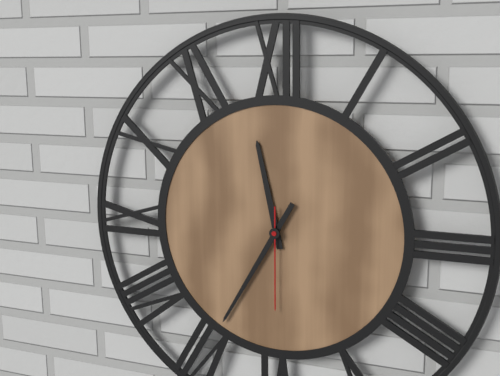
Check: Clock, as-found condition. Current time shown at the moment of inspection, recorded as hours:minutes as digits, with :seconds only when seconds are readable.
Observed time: 11:35:30
